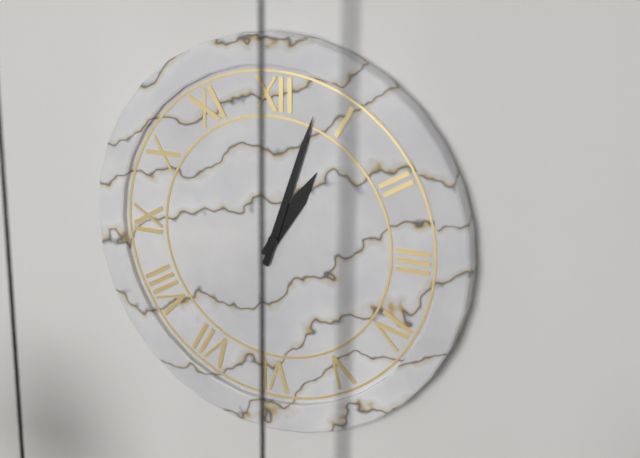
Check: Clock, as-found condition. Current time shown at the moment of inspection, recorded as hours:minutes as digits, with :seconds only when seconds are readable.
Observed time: 1:03
